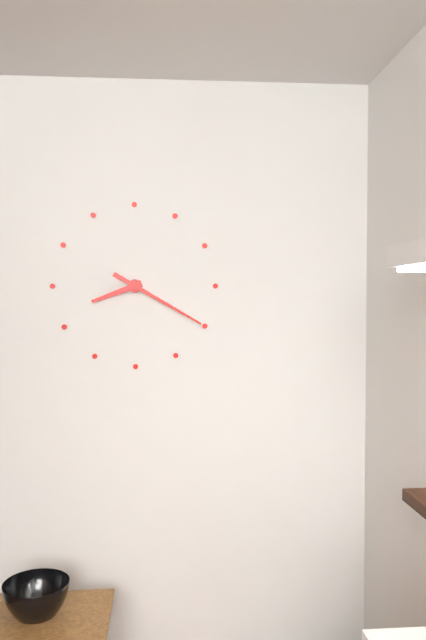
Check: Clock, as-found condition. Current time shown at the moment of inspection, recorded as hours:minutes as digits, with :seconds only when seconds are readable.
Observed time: 8:20
